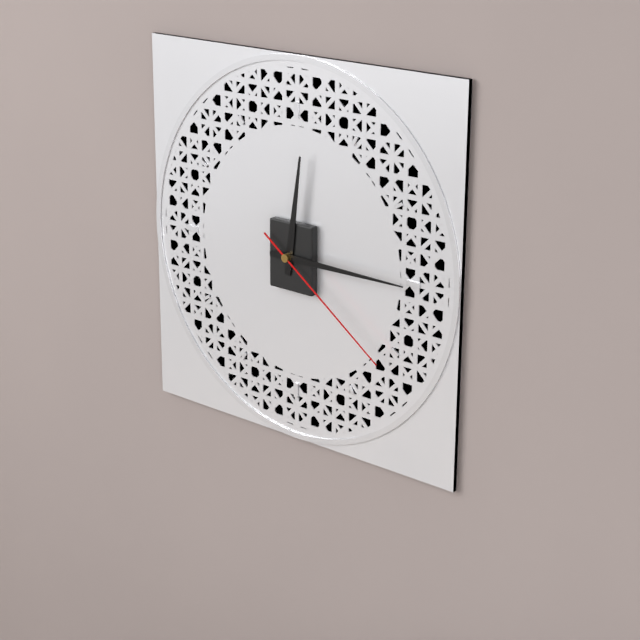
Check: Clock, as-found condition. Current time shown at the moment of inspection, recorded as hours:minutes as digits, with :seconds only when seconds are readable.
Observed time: 12:15:21
